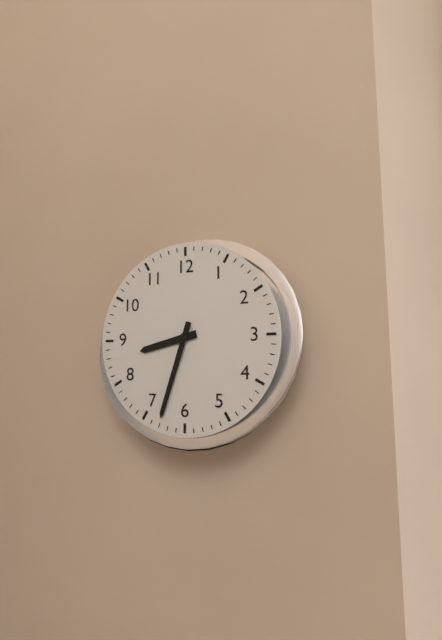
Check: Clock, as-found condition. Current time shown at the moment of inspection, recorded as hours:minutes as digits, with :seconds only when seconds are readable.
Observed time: 8:33
